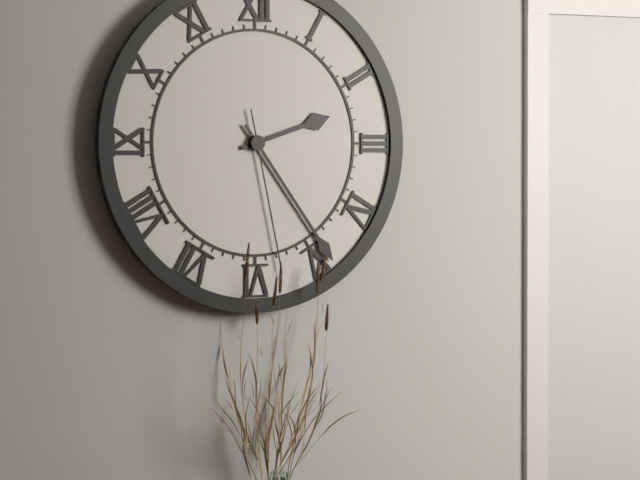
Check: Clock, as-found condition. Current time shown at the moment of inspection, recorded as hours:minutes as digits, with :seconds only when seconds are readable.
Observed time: 2:24:28
